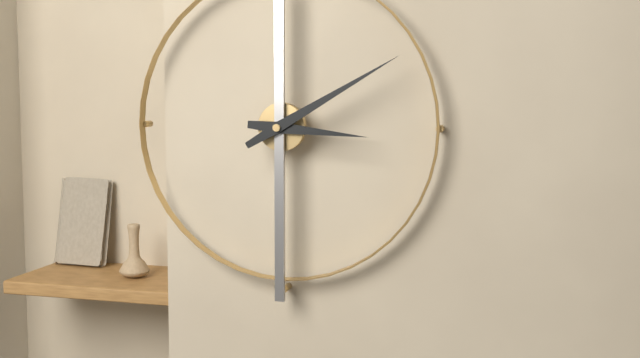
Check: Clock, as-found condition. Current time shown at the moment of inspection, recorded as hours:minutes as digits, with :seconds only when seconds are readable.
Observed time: 3:10
